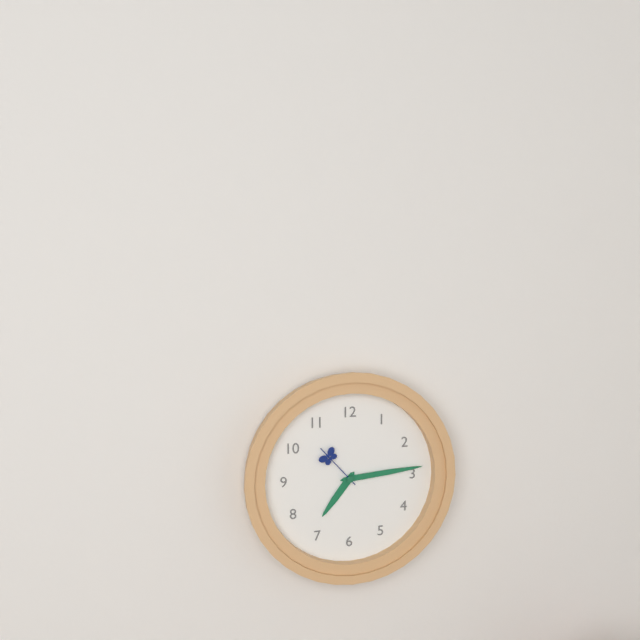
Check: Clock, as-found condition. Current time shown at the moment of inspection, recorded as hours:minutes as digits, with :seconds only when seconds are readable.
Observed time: 7:14:53
